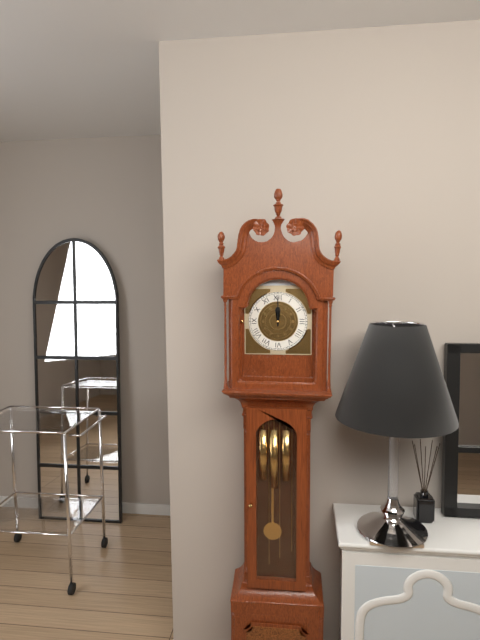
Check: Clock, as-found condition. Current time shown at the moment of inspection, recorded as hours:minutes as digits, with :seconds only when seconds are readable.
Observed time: 12:00
